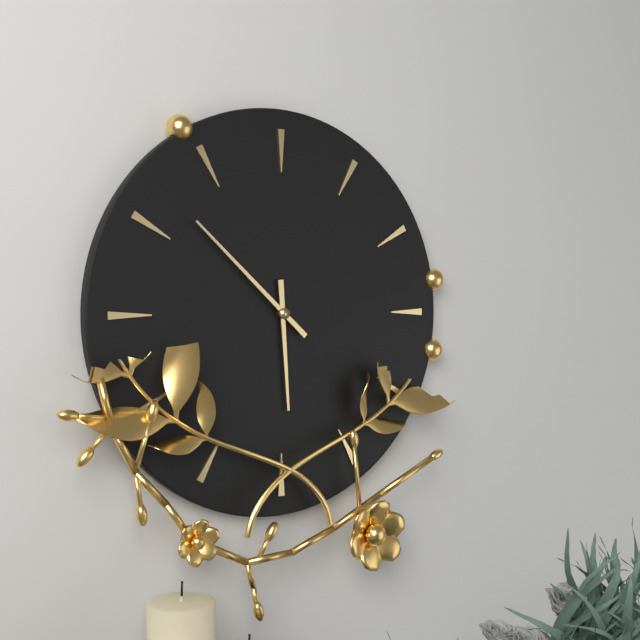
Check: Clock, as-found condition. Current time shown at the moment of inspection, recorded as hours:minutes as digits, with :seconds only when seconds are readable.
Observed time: 5:52
